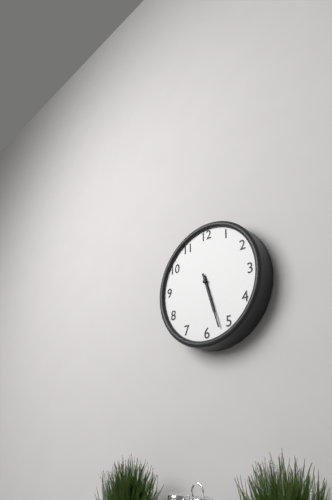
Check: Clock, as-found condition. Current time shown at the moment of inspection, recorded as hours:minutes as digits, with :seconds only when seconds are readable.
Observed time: 5:27
